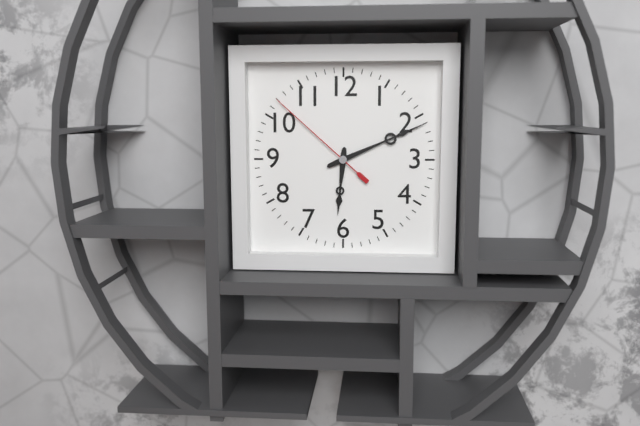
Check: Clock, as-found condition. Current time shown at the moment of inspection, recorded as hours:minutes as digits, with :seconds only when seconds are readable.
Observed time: 6:11:52
